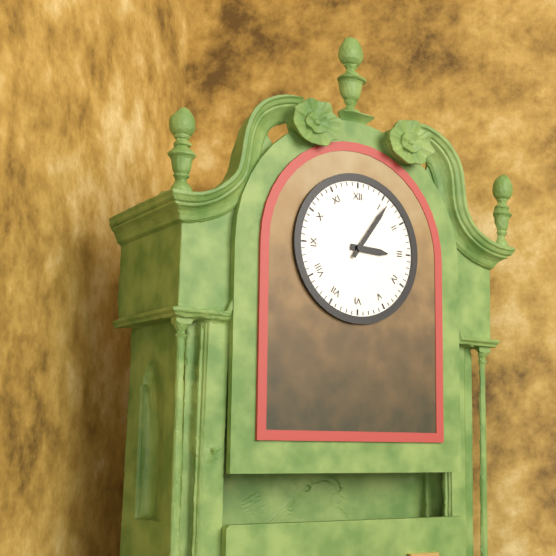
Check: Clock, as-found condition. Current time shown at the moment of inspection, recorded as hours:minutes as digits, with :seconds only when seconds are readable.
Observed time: 3:06
